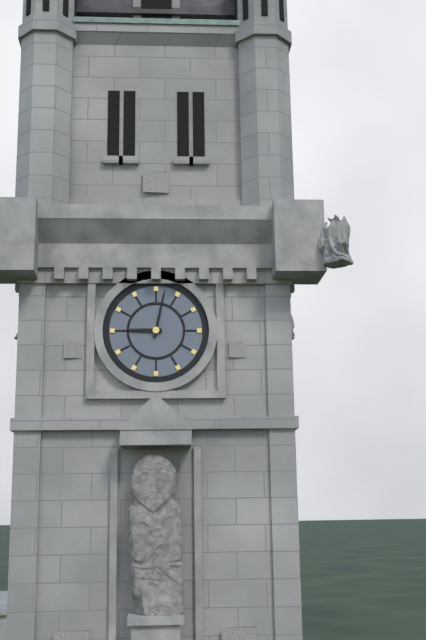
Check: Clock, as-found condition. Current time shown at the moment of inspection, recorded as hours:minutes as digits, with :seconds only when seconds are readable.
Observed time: 9:02
